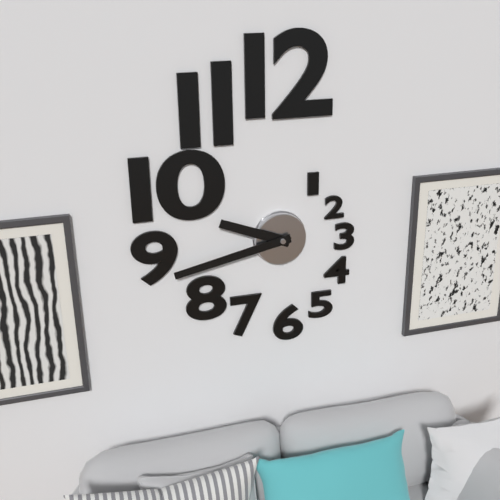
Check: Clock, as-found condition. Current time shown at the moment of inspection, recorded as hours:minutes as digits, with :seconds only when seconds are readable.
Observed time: 9:43
